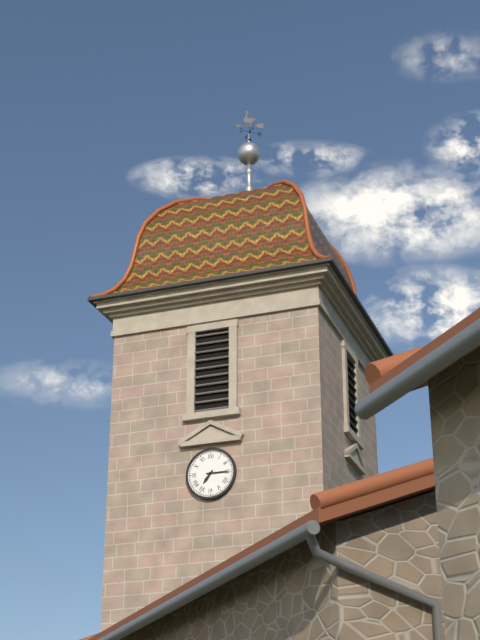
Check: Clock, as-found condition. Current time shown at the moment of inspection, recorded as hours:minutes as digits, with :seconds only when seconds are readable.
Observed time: 7:15
